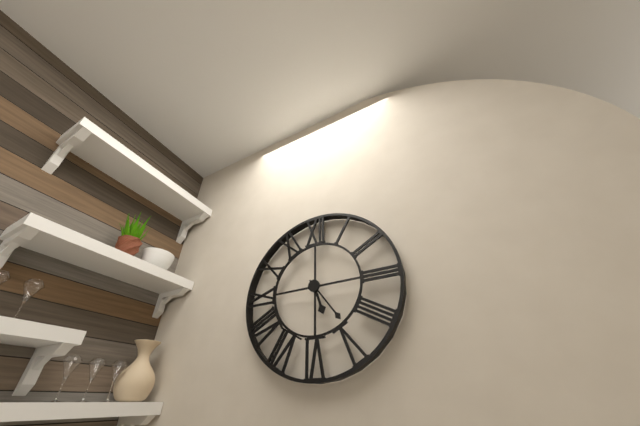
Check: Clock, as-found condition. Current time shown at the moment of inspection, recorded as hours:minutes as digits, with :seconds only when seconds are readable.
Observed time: 5:24
